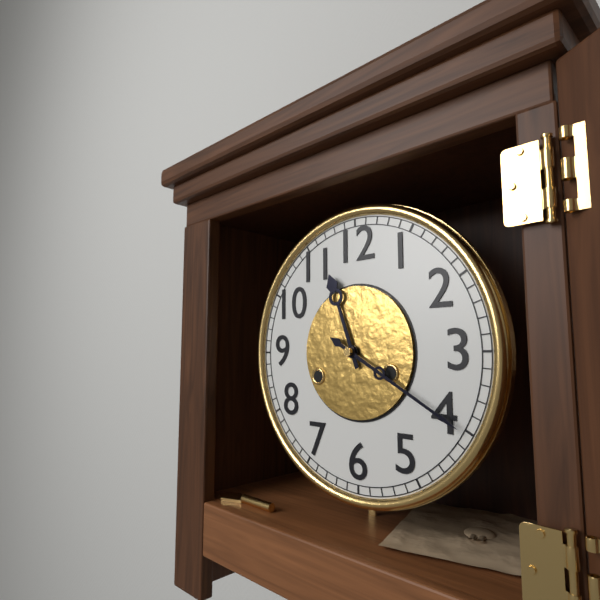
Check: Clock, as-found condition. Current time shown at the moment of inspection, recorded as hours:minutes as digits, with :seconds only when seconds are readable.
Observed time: 11:20
